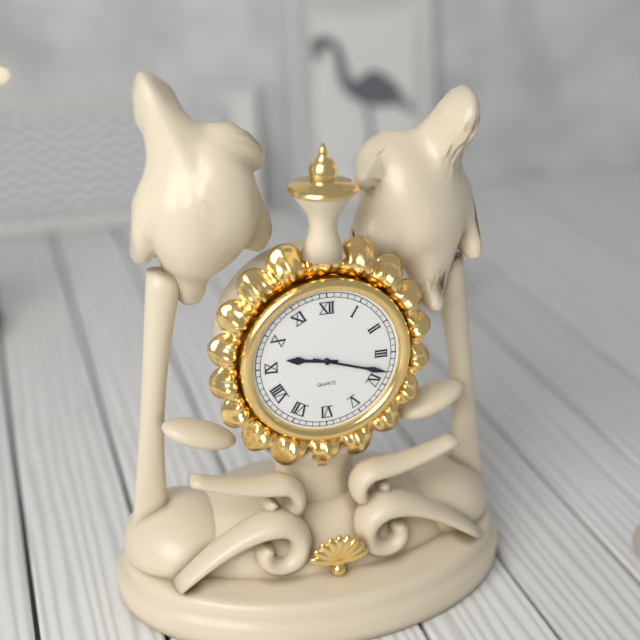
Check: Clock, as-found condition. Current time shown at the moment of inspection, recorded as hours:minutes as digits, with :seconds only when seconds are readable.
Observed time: 9:18
